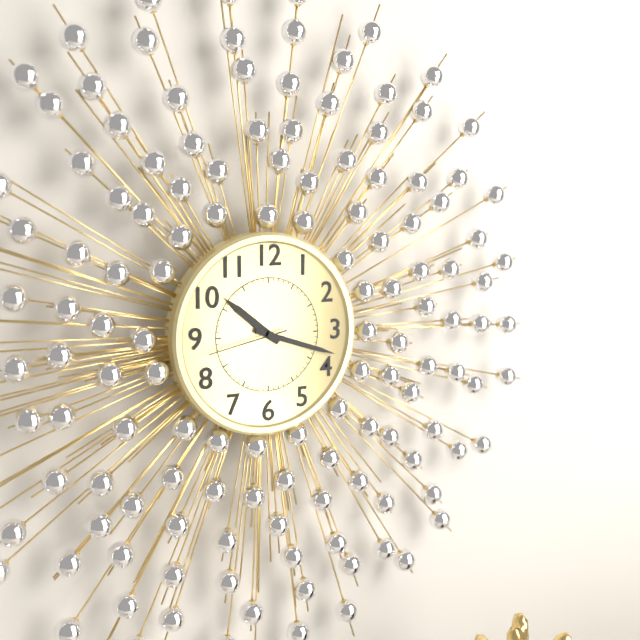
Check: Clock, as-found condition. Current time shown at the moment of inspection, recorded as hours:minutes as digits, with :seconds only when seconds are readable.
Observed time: 10:18:43
